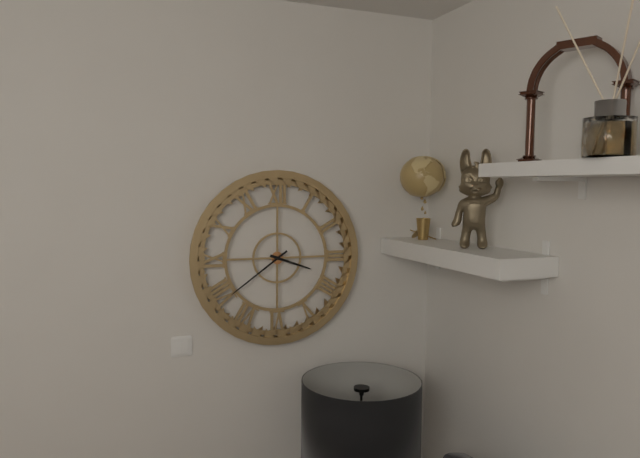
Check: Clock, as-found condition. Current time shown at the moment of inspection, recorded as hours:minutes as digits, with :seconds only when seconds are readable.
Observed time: 3:39
